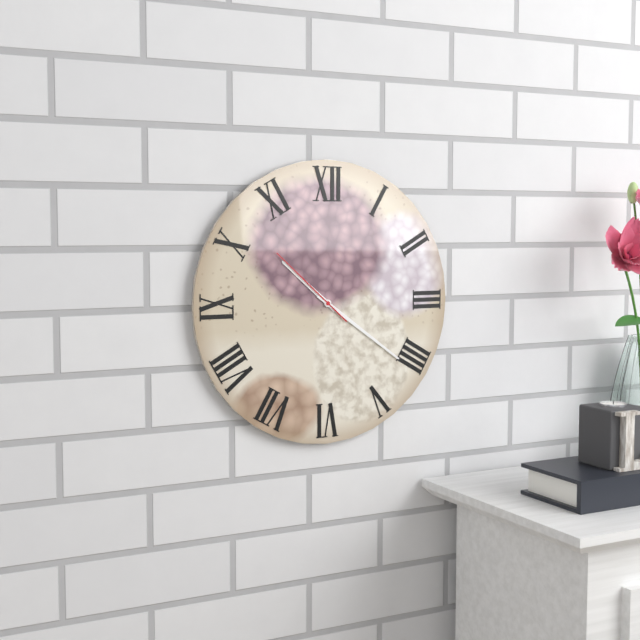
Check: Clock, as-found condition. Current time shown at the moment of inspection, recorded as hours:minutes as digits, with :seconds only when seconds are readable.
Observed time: 10:21:52
